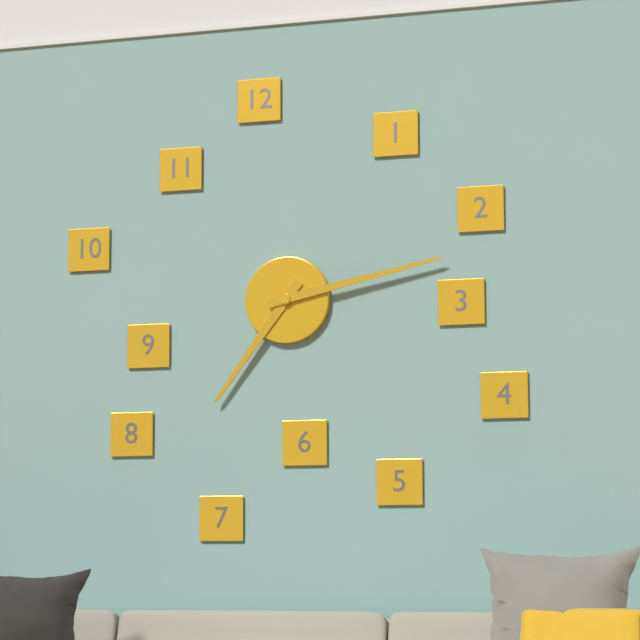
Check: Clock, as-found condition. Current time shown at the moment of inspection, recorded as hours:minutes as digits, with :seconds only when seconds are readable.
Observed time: 7:13
